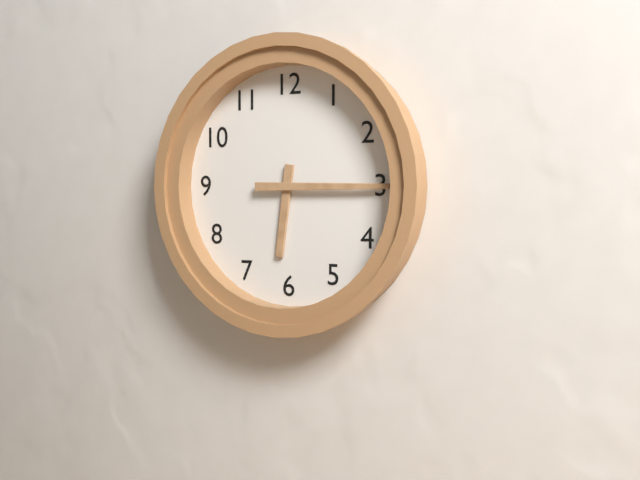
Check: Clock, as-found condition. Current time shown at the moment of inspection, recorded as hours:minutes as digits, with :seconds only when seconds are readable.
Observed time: 6:15
